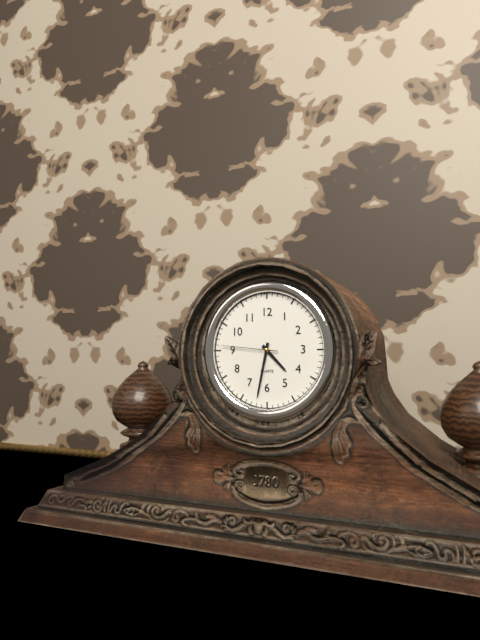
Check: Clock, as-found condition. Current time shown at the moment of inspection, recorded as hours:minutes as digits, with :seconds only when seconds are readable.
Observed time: 4:32:46
